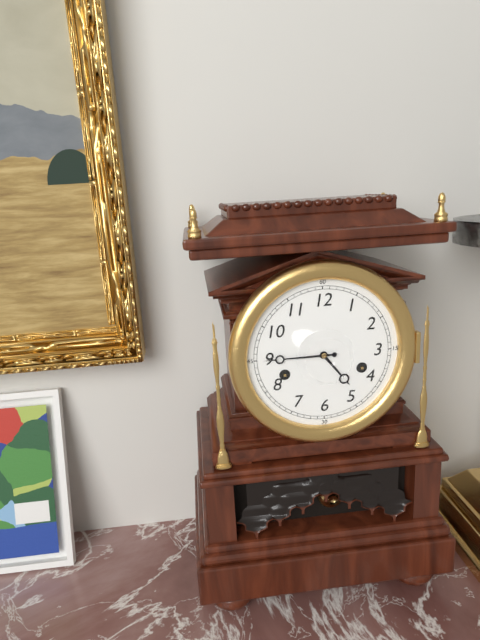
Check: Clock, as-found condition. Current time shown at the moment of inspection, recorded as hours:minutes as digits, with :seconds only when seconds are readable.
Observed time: 4:45
